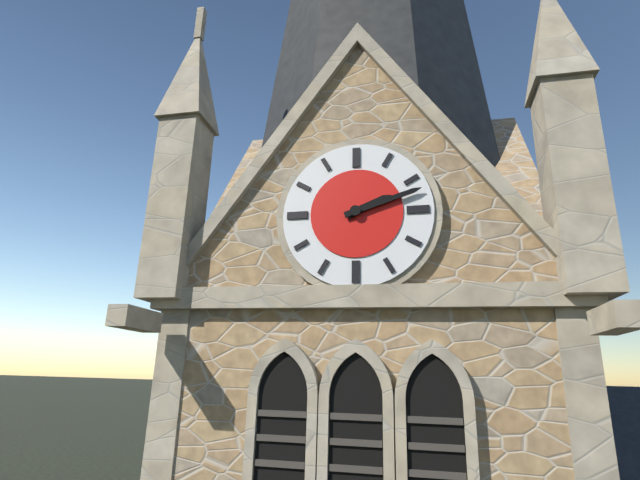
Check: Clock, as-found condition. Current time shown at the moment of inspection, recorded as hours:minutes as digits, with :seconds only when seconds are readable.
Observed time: 2:12
